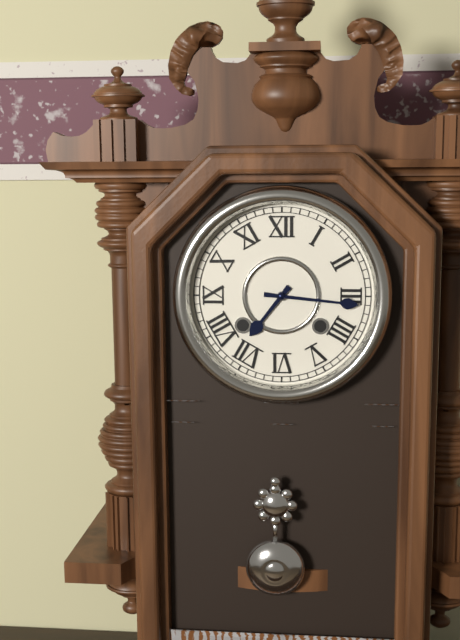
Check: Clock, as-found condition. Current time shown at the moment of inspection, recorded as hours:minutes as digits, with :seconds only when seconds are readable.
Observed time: 7:16
